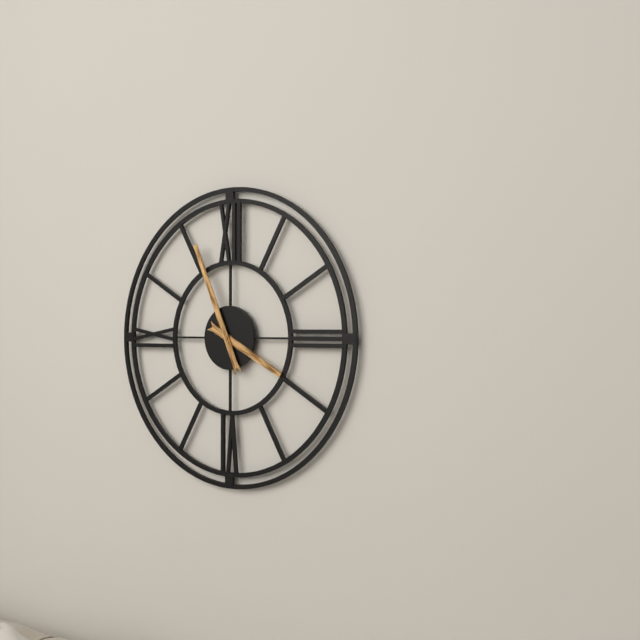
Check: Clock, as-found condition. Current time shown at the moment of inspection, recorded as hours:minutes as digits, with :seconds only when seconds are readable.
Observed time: 3:56
